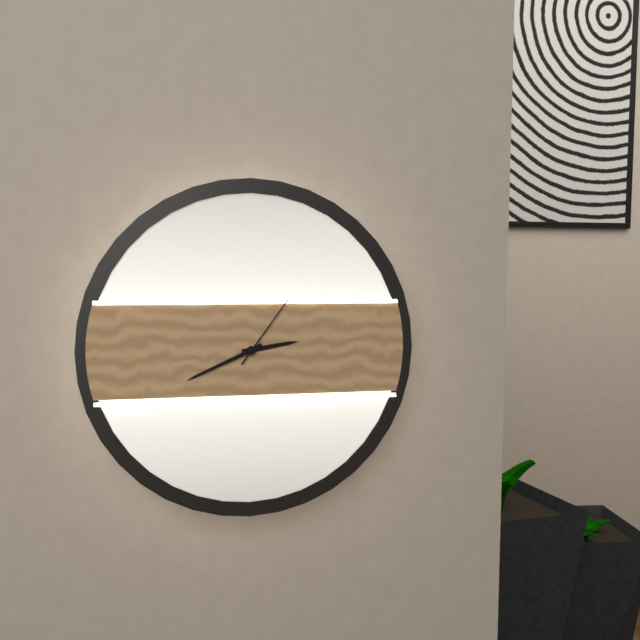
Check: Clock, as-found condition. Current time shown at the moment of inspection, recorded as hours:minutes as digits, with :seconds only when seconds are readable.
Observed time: 2:41:06
